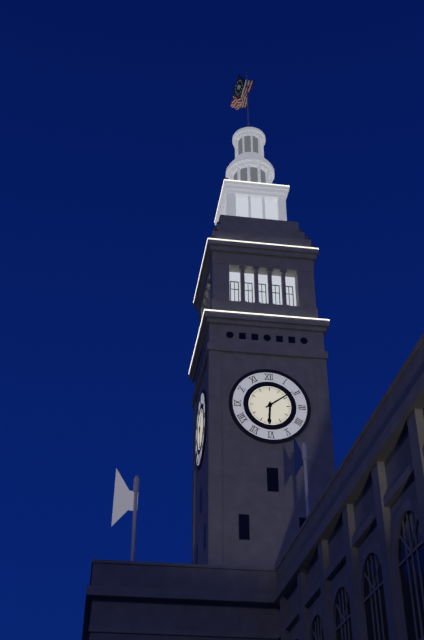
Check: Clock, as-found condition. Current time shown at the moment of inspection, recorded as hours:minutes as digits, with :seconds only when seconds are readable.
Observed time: 6:09
